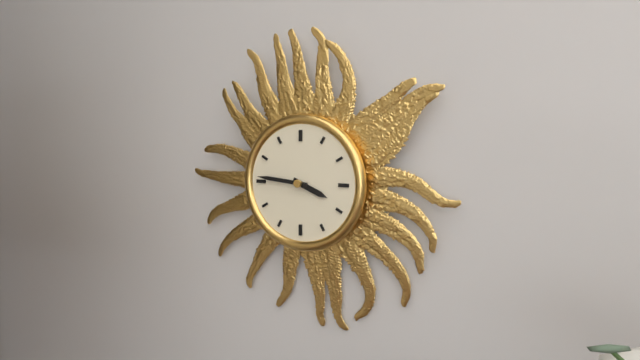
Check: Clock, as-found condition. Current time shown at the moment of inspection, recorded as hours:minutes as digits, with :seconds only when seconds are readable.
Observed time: 3:46
